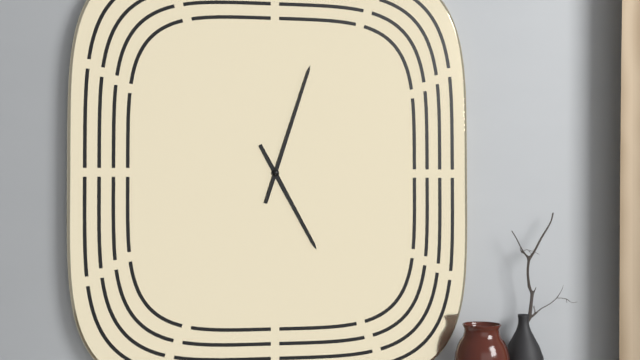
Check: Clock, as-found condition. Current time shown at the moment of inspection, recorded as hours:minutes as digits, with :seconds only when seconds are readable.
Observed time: 5:03
